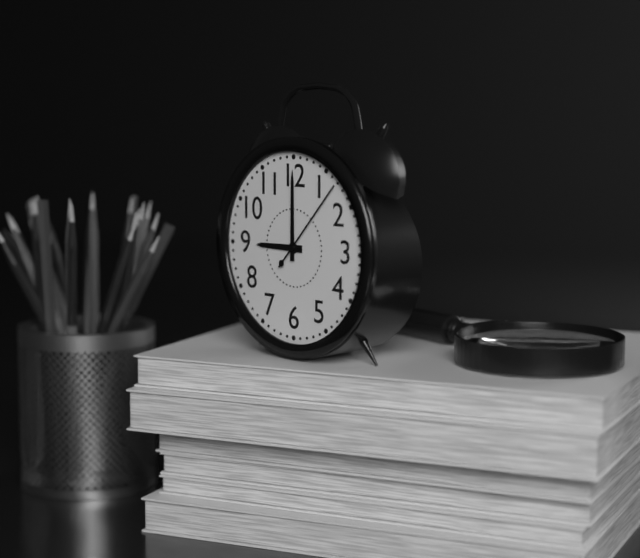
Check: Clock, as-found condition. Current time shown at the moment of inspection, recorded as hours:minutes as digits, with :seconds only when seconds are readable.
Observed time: 9:00:07
